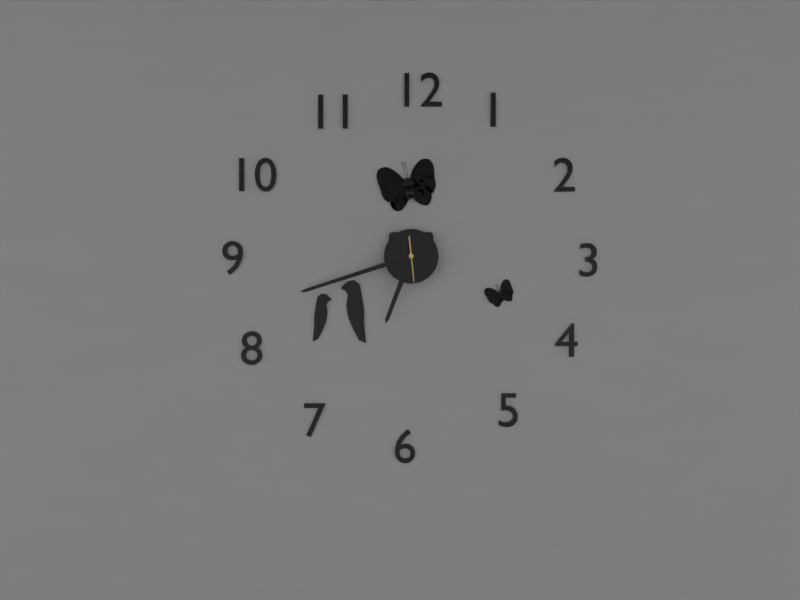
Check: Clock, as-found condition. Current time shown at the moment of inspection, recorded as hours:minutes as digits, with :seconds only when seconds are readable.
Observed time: 6:42
